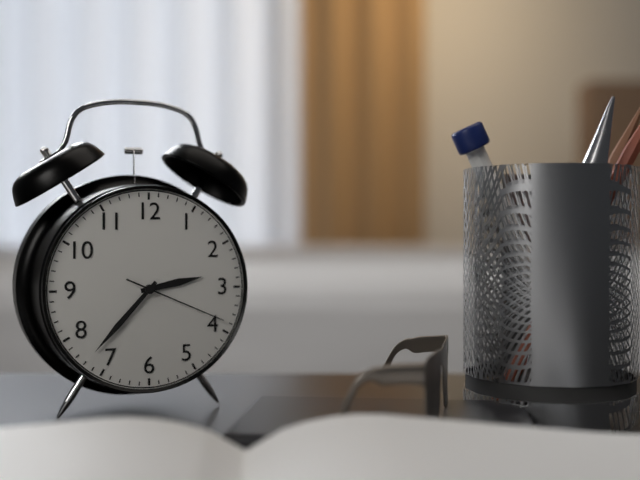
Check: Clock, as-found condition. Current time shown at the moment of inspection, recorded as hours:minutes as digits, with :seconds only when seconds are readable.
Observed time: 2:37:19
